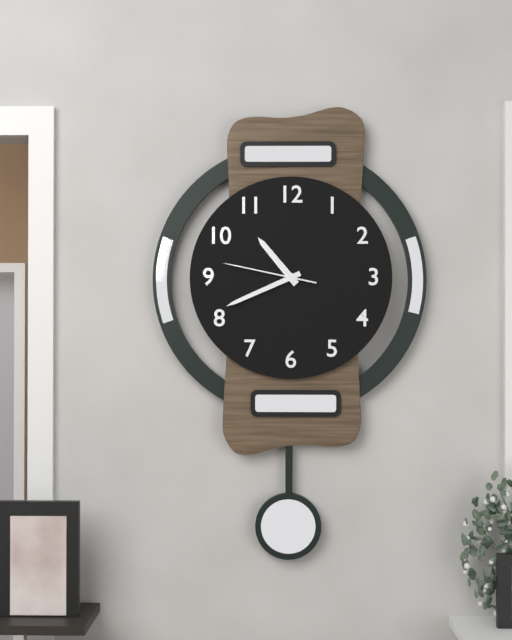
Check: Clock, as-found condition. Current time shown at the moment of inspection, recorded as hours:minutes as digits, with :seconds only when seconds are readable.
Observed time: 10:41:47
